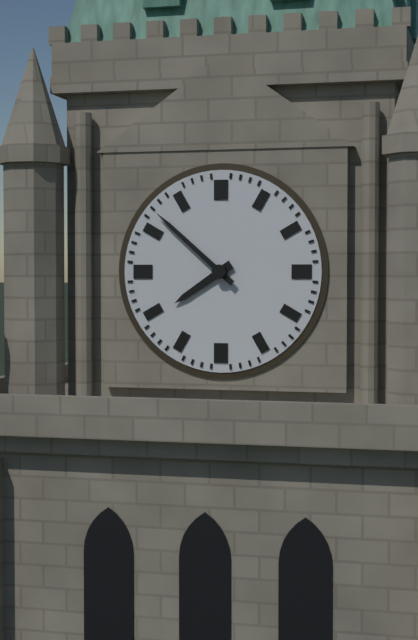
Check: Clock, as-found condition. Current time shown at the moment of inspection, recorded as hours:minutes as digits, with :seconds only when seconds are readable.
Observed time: 7:52
